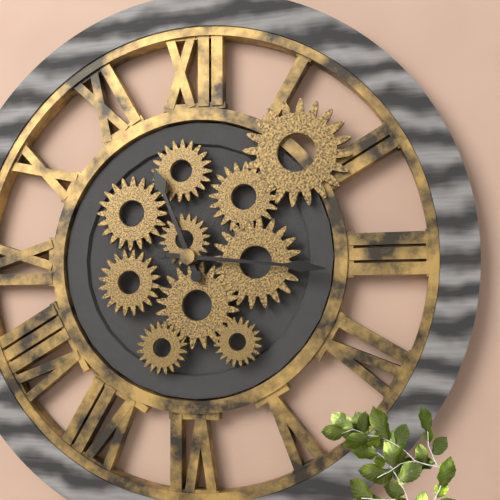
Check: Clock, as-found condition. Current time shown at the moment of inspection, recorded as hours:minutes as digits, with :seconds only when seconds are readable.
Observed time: 11:16
